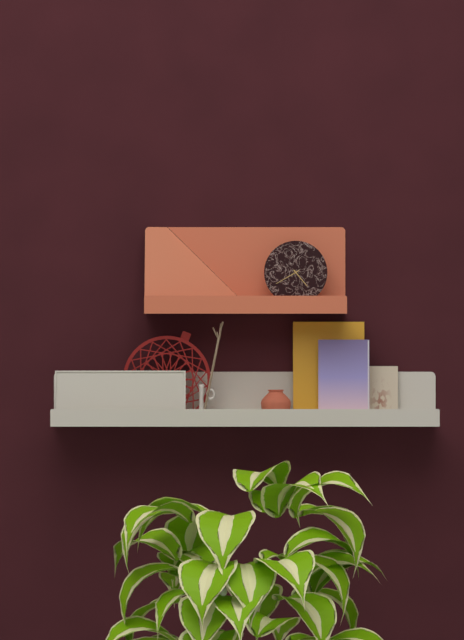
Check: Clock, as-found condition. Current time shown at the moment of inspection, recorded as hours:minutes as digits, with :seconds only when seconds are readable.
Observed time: 4:40
